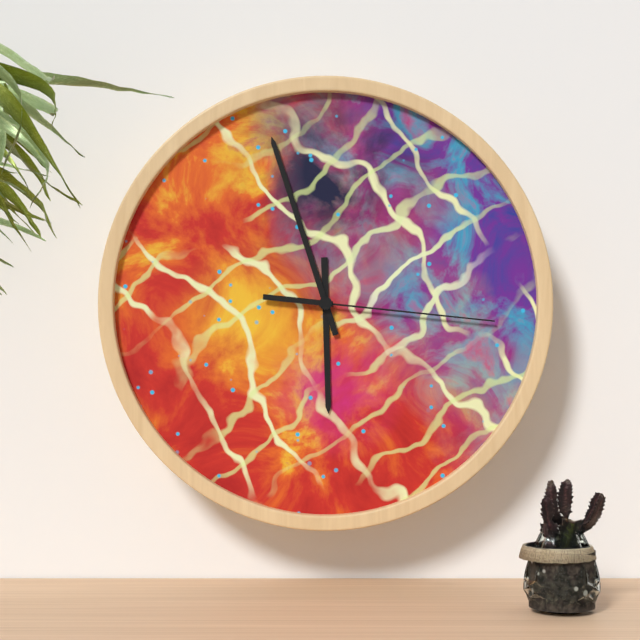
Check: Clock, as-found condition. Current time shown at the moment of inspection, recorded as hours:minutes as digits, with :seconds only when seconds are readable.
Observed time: 5:57:16
